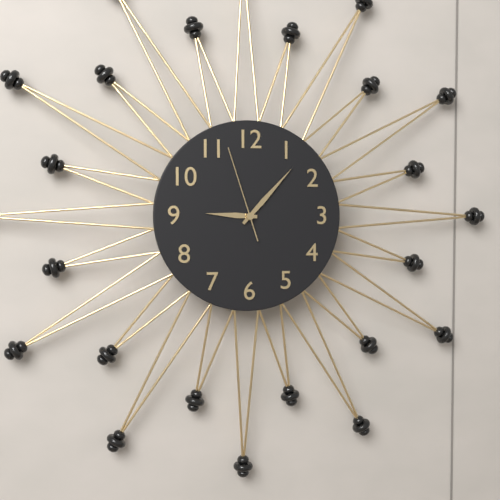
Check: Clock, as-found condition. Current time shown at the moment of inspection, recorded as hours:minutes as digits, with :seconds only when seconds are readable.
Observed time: 9:07:57
